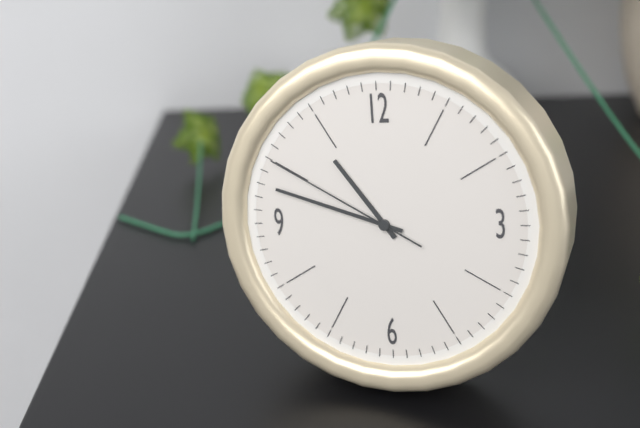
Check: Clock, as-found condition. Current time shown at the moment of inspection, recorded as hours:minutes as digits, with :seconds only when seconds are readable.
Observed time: 10:48:50
